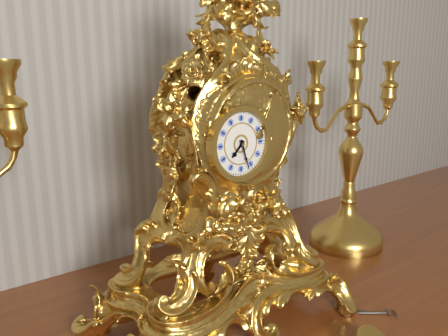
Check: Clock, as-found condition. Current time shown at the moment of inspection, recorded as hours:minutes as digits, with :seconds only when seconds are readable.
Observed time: 7:27
